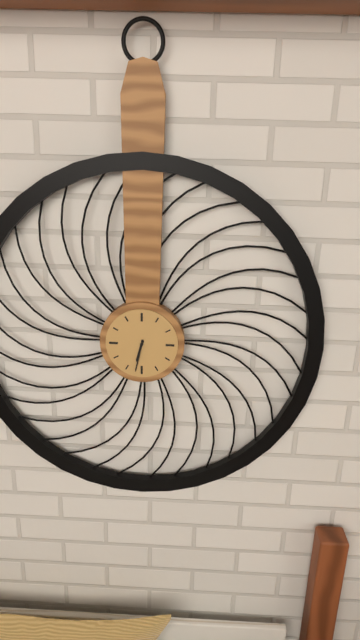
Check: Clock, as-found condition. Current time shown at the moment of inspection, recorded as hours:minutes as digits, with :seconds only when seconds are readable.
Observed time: 6:32
